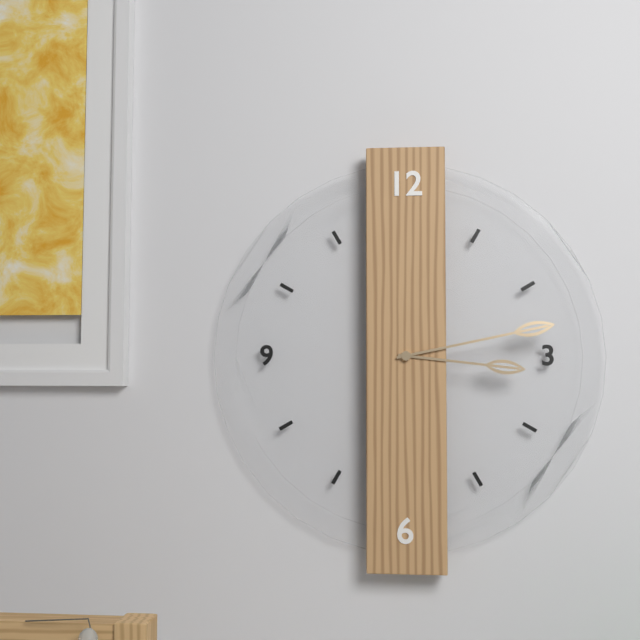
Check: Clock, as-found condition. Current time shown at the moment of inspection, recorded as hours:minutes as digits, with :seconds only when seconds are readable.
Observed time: 3:13
